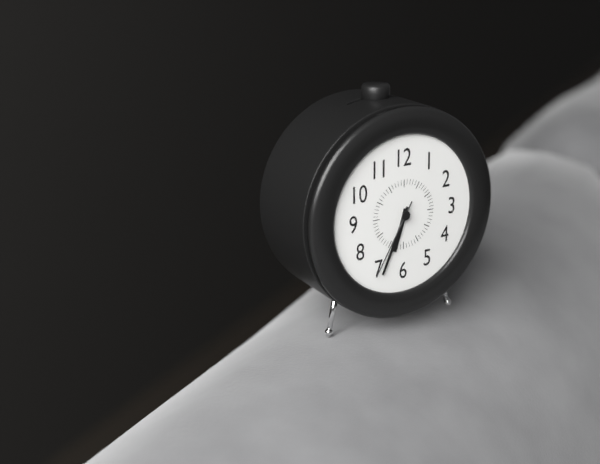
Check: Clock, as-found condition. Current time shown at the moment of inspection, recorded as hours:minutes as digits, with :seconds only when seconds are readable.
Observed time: 6:34:35
